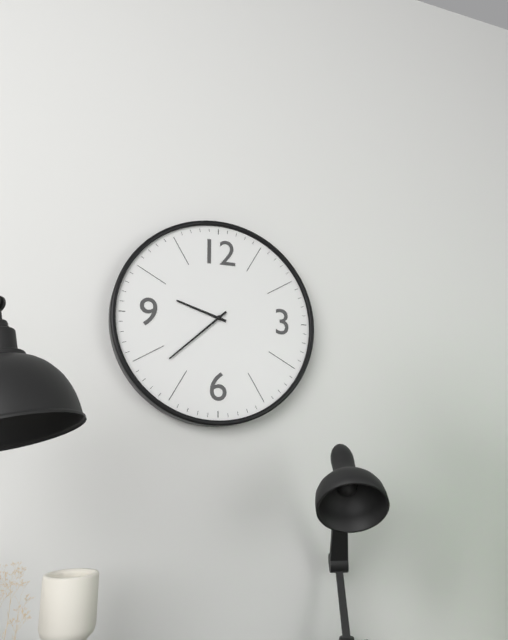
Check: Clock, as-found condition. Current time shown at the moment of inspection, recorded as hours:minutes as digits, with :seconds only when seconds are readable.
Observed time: 9:38
